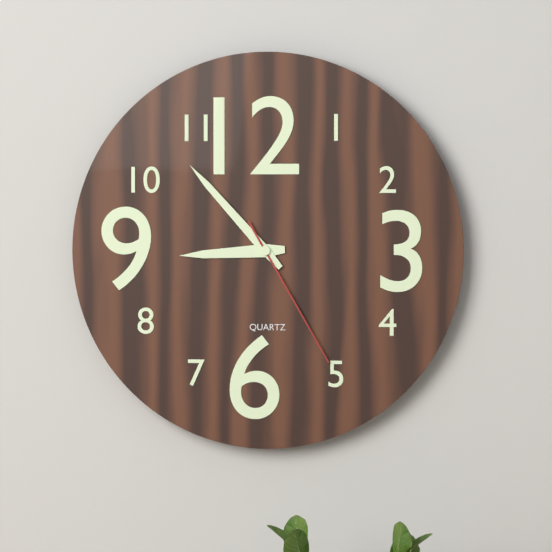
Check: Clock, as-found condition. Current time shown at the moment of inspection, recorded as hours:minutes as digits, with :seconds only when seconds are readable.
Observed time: 8:53:25
